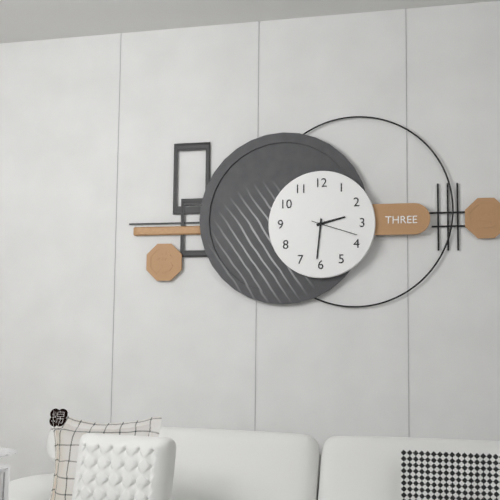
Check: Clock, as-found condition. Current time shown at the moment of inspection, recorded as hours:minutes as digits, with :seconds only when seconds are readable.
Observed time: 2:31
